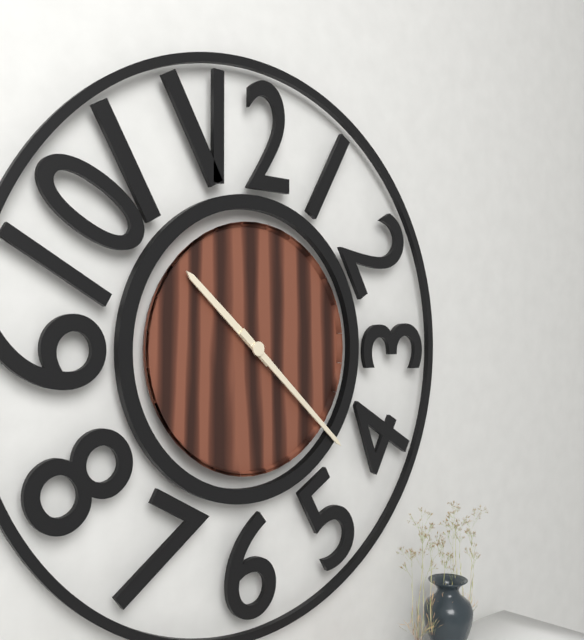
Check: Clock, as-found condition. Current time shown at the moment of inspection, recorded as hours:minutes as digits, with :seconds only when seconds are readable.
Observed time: 10:22
